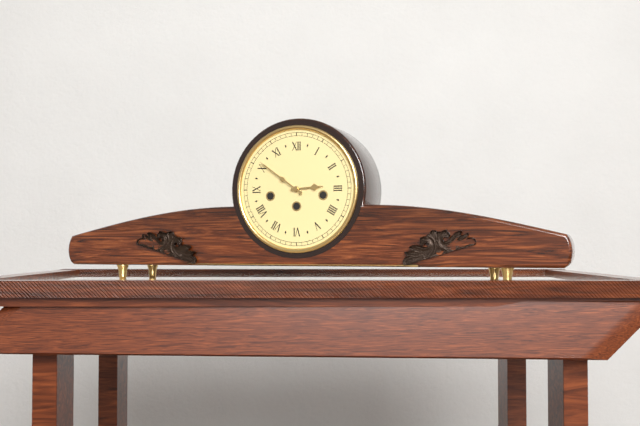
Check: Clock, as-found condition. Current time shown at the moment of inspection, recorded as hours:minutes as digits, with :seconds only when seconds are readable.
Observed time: 2:51
